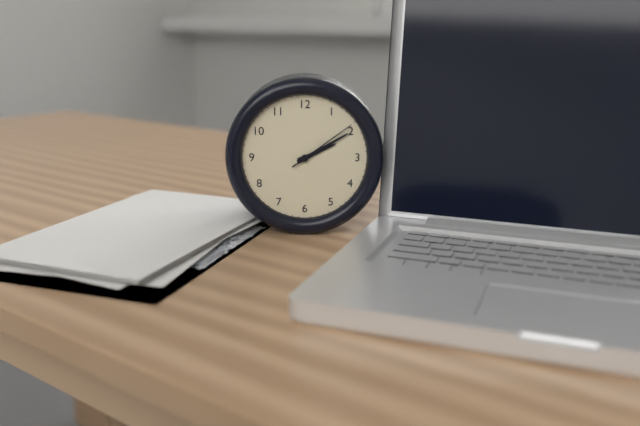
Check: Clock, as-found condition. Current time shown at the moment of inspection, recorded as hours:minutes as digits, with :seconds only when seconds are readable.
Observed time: 2:10:09
